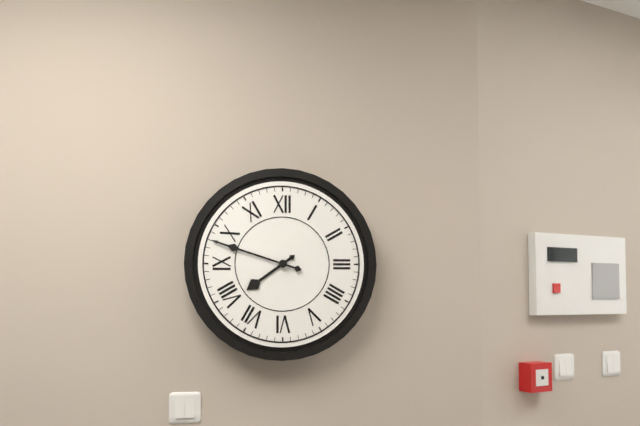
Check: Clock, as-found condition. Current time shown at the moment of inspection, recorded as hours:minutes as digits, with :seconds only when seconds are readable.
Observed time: 7:48
